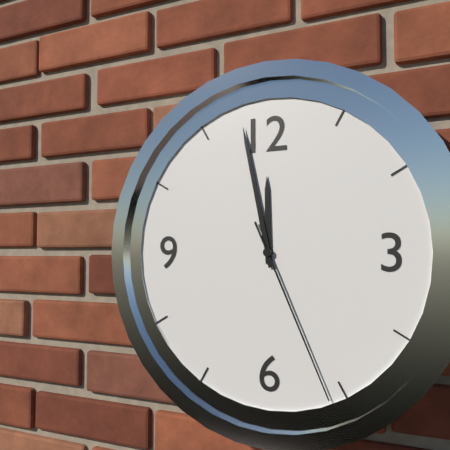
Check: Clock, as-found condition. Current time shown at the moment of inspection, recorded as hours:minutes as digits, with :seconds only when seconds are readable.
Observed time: 11:58:26
